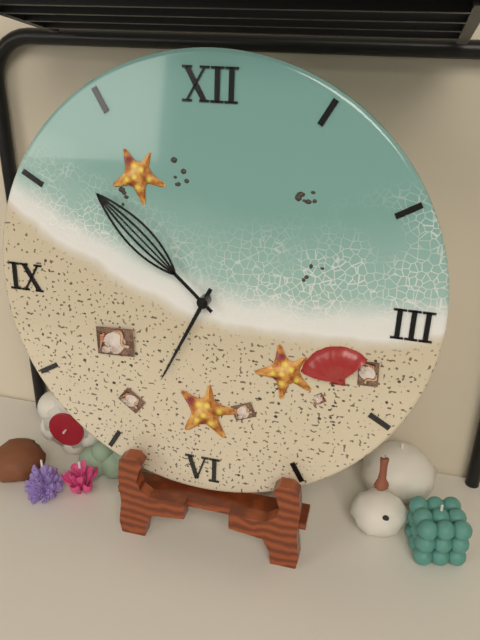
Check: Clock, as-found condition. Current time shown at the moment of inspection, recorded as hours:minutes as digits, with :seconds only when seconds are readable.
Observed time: 6:52
